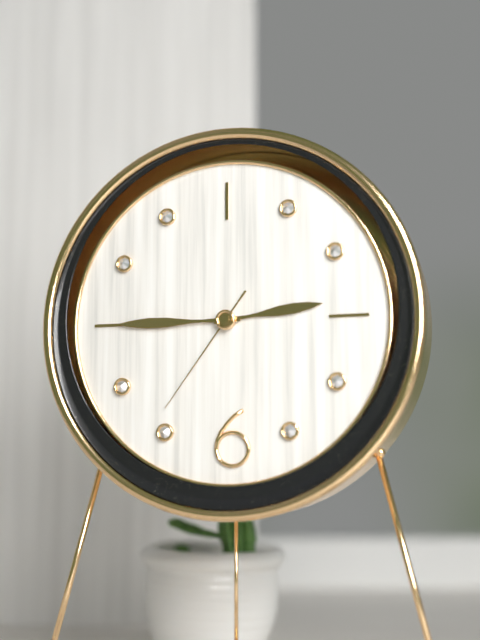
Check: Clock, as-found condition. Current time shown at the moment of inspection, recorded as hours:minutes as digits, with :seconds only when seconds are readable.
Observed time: 2:45:36
